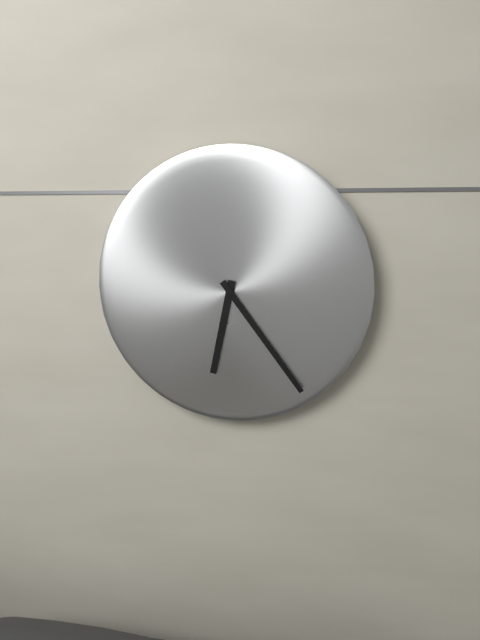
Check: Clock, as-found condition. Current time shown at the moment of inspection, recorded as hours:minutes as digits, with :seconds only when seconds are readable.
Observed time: 6:24
